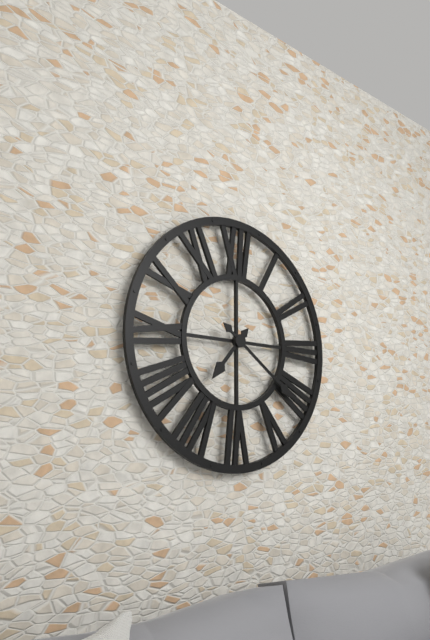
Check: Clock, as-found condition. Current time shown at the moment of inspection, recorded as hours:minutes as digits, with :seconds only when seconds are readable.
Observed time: 7:21
